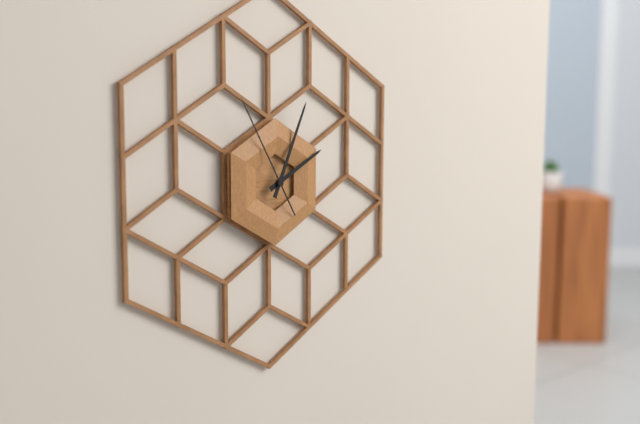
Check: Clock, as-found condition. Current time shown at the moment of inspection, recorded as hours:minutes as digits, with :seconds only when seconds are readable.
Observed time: 2:04:55
